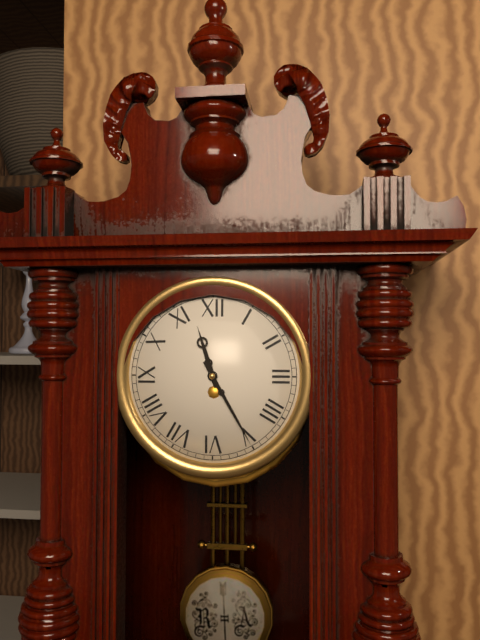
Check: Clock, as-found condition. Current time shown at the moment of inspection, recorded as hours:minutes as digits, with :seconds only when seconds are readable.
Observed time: 11:25
